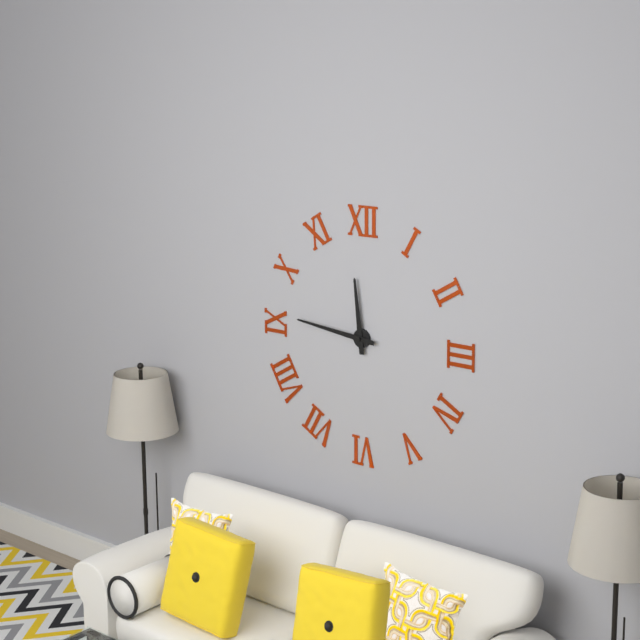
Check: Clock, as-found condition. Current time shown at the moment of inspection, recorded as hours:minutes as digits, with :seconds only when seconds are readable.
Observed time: 11:46
